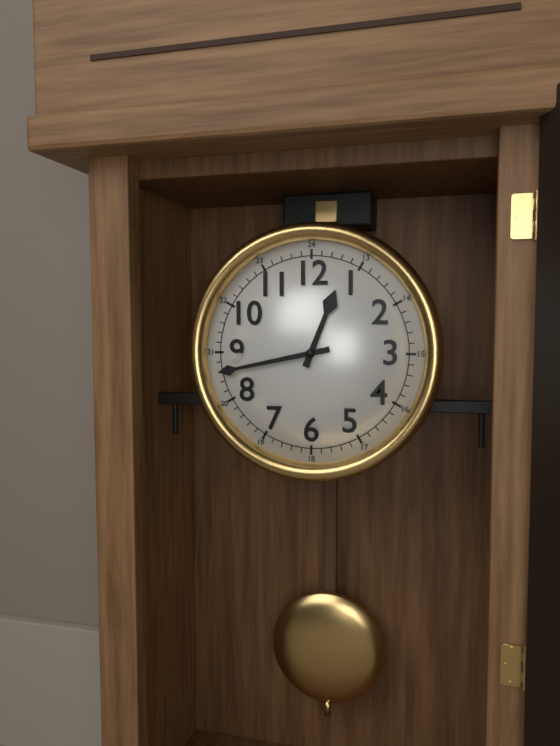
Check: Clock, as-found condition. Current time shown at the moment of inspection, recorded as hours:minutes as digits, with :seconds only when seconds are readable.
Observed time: 12:43
